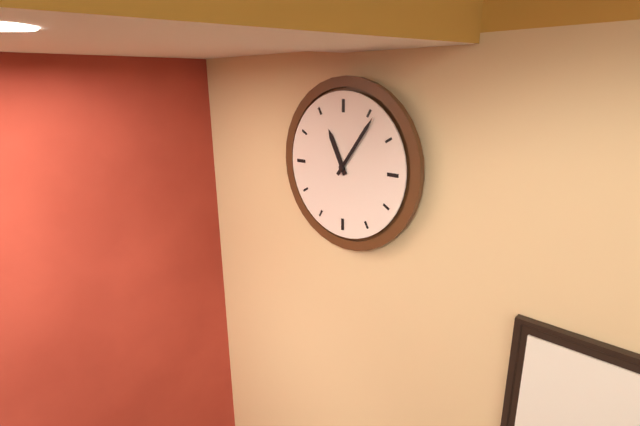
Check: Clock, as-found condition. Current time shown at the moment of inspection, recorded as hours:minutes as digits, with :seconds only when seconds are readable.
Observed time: 11:06
